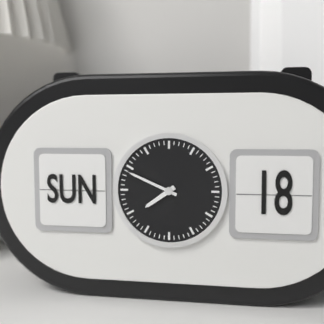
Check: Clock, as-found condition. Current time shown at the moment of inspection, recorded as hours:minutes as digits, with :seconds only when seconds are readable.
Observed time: 7:49
